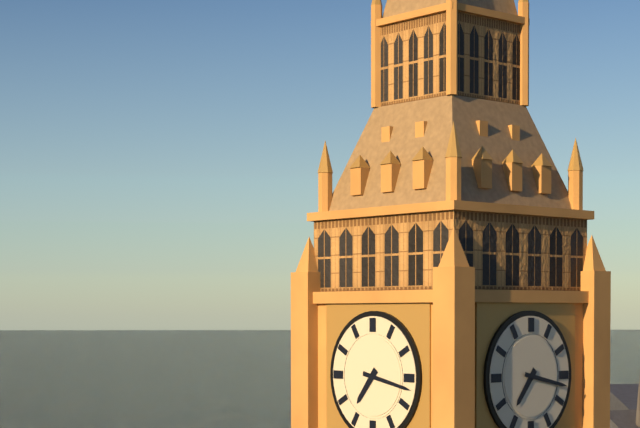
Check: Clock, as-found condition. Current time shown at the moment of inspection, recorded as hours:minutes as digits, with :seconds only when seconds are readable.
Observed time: 7:17
